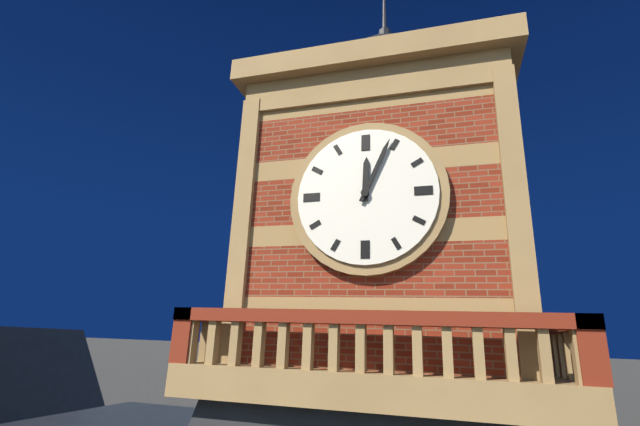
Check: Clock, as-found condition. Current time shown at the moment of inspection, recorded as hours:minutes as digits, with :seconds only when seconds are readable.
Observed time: 12:04
